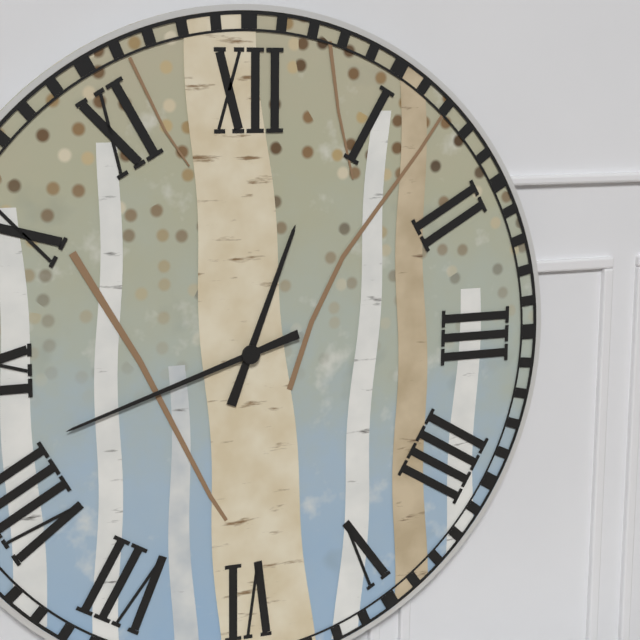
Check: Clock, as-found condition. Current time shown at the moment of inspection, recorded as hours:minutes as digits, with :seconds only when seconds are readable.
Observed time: 12:42
